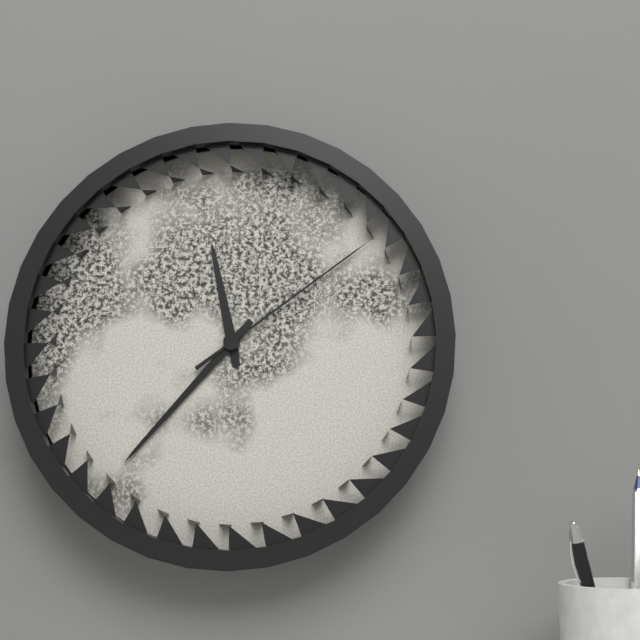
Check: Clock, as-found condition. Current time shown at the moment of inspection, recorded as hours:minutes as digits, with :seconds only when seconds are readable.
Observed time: 11:37:09
